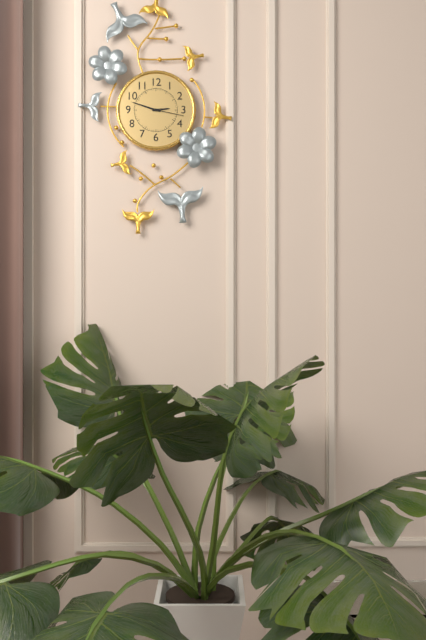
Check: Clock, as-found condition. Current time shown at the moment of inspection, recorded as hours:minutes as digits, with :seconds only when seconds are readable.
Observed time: 2:48
